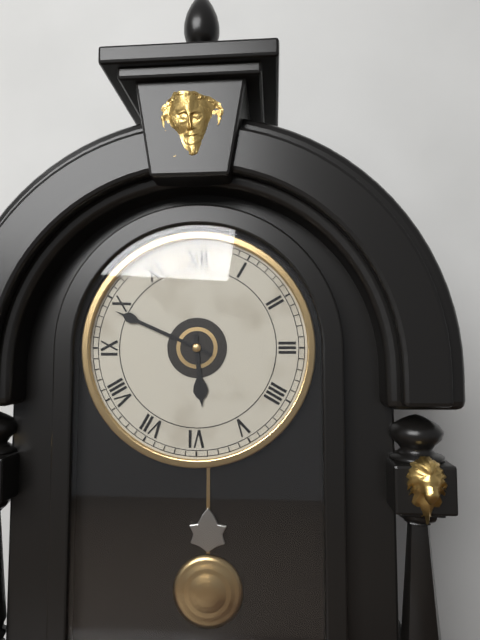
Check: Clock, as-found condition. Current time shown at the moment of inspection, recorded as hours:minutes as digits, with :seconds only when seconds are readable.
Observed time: 5:49
